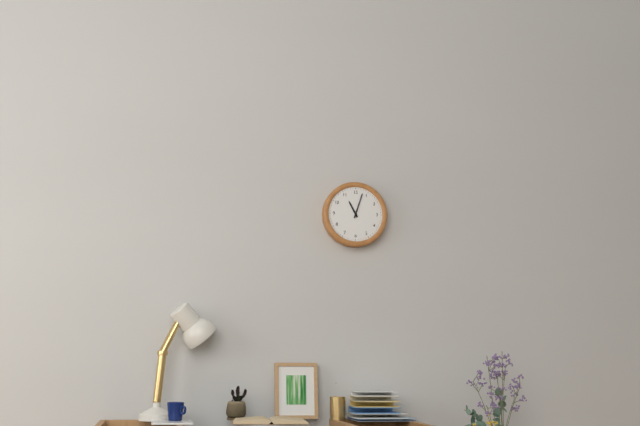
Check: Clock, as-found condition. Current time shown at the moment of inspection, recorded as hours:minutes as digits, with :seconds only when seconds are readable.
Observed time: 11:03
